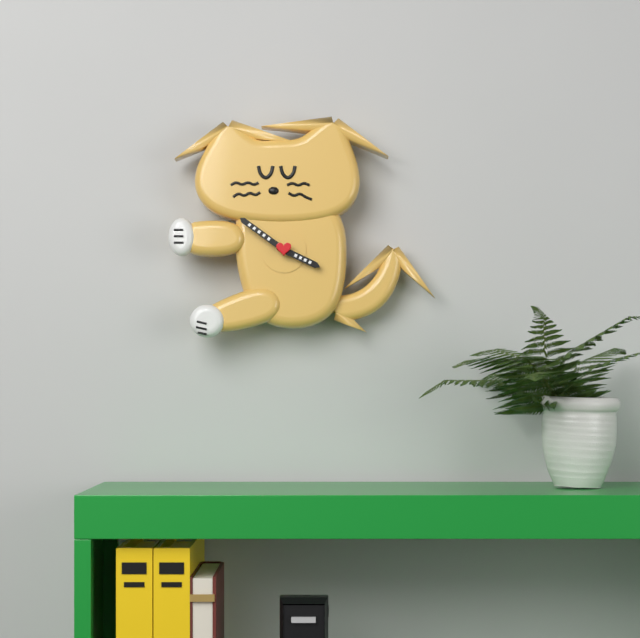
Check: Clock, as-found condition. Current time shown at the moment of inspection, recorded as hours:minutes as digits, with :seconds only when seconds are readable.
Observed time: 3:51
